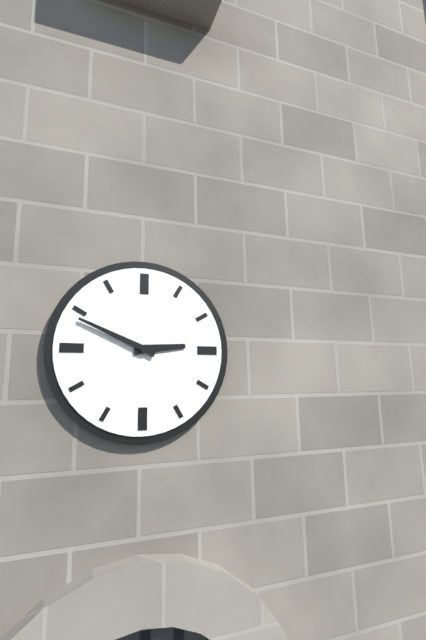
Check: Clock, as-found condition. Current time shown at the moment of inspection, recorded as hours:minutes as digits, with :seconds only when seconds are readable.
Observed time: 2:49
